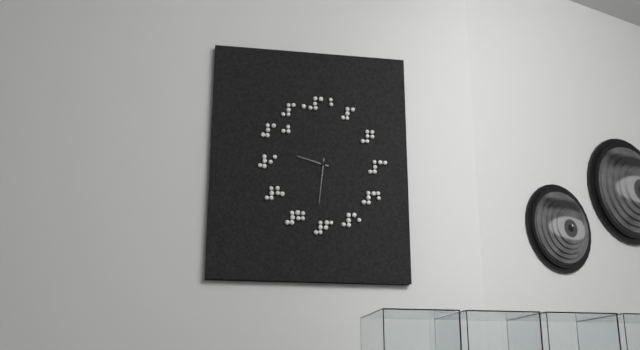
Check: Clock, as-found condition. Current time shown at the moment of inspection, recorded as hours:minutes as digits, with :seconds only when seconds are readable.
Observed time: 9:31
